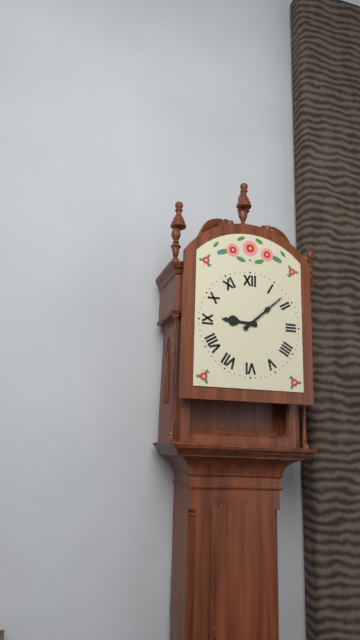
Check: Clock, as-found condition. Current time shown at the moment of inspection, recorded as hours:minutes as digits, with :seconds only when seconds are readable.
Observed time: 9:08
